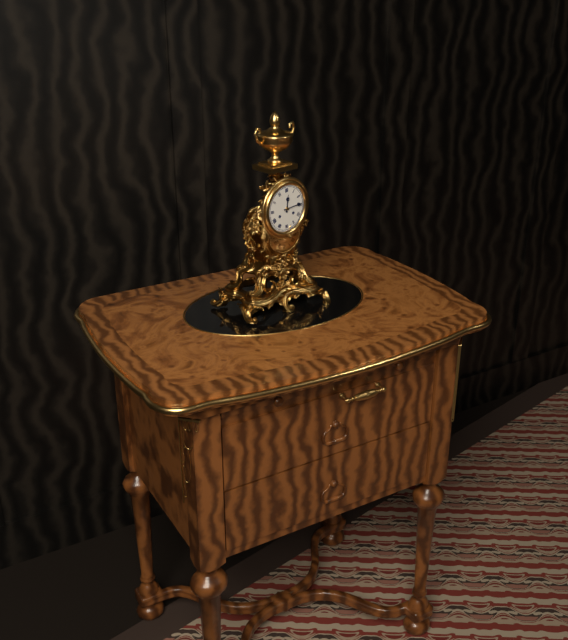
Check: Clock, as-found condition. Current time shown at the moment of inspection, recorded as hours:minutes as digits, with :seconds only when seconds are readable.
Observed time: 12:14
